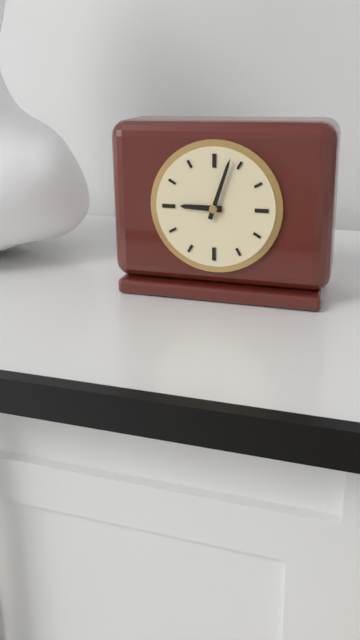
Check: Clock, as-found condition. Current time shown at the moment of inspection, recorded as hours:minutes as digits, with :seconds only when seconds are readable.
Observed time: 9:03
